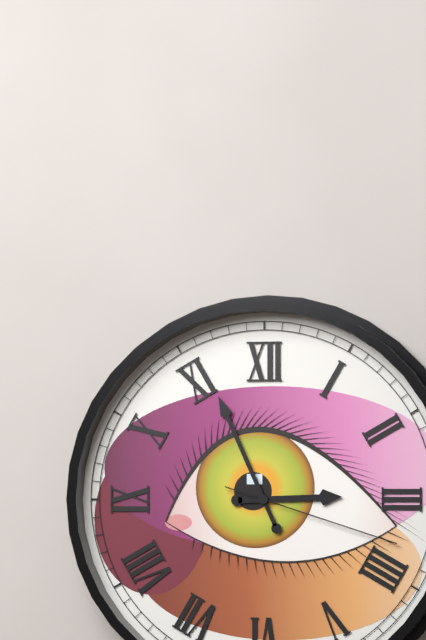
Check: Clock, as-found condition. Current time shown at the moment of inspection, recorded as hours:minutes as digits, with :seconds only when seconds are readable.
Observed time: 2:56:18
